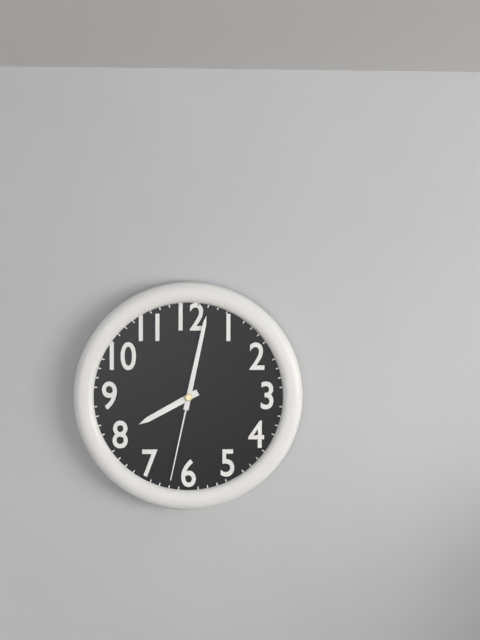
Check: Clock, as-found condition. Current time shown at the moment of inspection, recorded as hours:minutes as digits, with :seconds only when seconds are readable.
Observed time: 8:02:32
